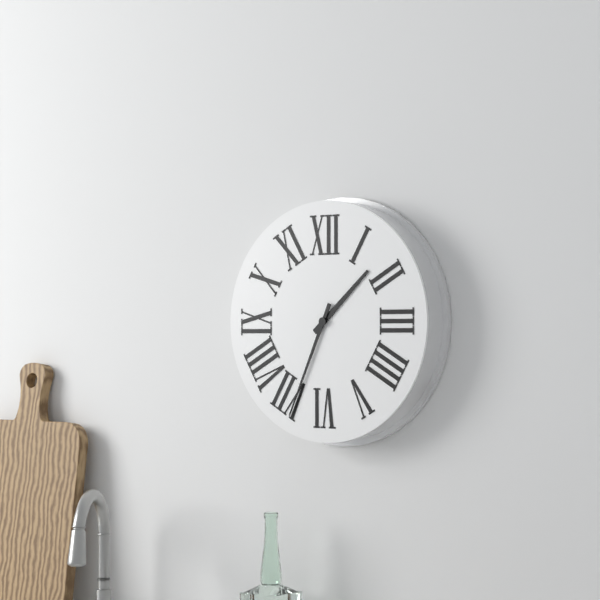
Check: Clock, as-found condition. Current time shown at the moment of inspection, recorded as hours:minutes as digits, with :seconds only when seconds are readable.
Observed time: 1:34
